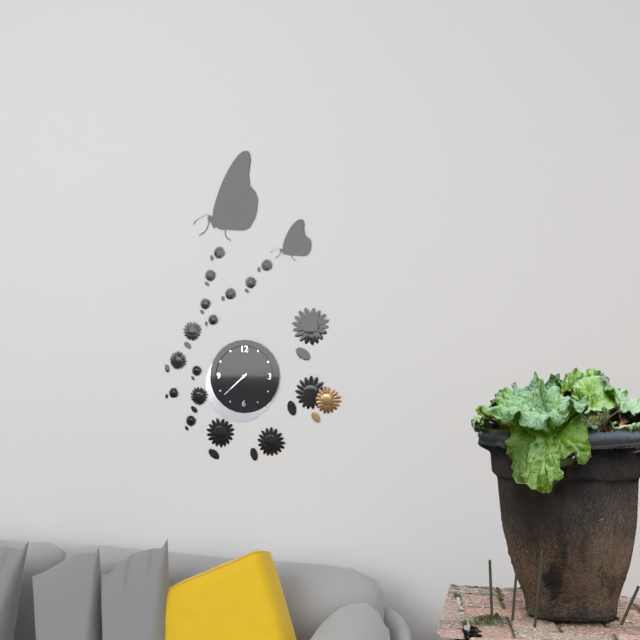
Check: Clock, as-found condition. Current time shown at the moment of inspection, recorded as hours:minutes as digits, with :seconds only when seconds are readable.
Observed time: 7:38
